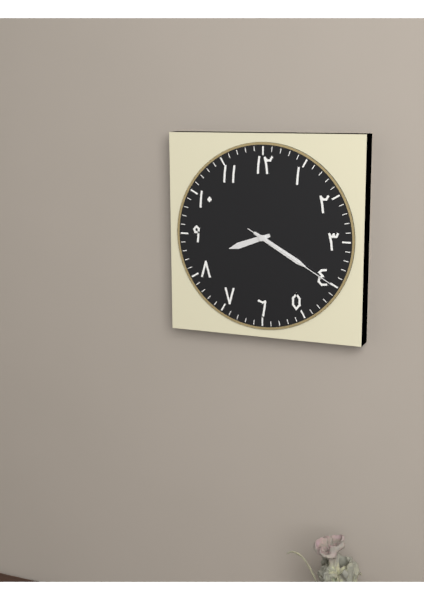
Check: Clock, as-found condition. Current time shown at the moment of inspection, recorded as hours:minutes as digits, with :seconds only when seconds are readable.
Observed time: 8:20:20
